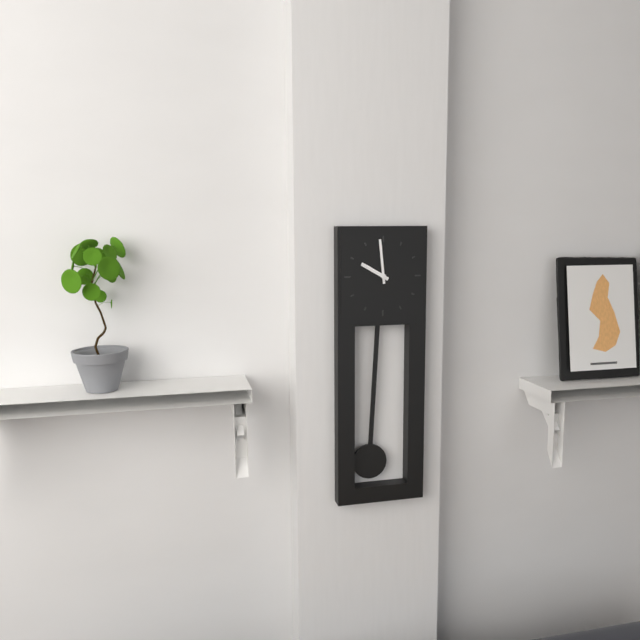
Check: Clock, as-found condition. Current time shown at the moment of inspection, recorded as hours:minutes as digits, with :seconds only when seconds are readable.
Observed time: 9:59
